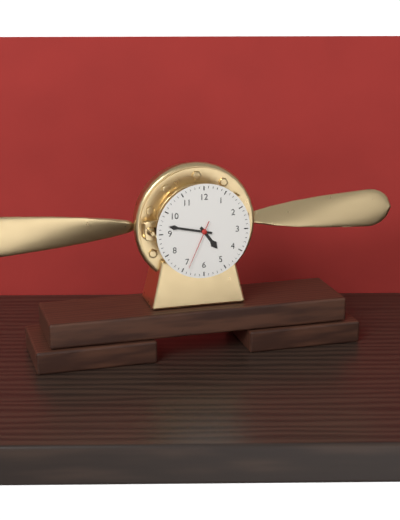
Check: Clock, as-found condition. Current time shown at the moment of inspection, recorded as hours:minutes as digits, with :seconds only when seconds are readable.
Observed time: 4:47
